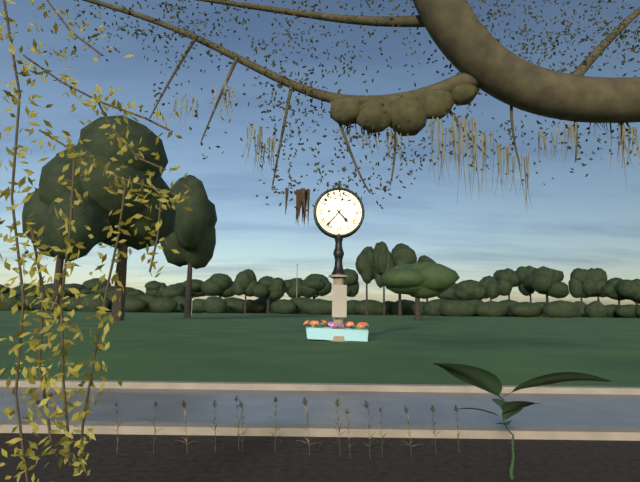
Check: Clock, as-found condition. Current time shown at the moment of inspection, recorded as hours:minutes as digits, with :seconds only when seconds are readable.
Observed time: 4:37
